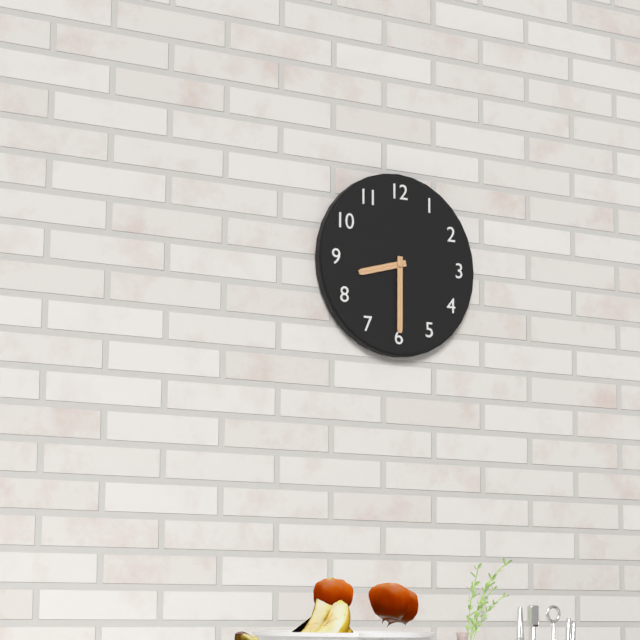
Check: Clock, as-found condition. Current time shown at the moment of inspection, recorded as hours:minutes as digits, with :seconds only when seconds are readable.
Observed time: 8:30
